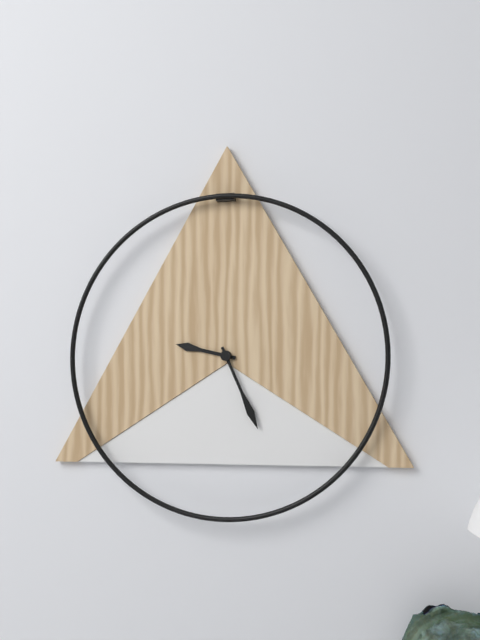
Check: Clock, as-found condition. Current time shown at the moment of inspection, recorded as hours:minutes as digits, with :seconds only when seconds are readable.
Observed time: 9:26
